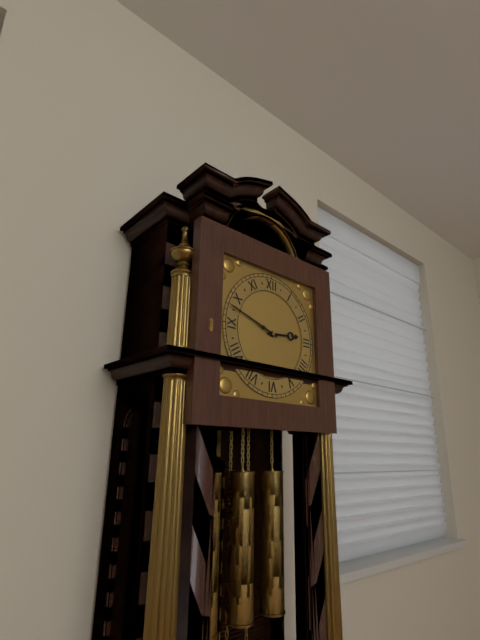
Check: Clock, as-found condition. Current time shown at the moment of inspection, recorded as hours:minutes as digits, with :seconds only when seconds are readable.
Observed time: 2:48
